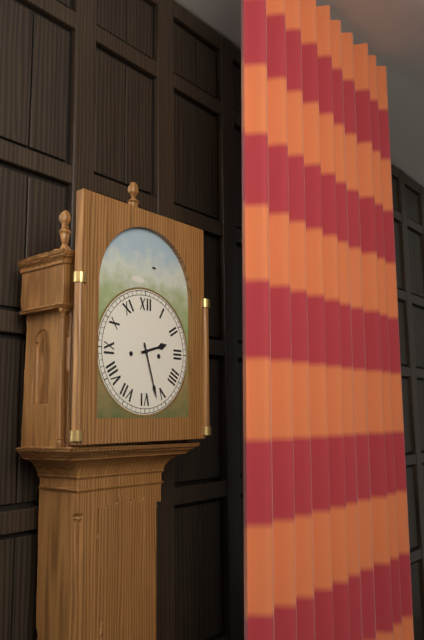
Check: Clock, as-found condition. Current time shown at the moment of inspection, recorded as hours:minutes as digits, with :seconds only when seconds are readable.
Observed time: 2:27
